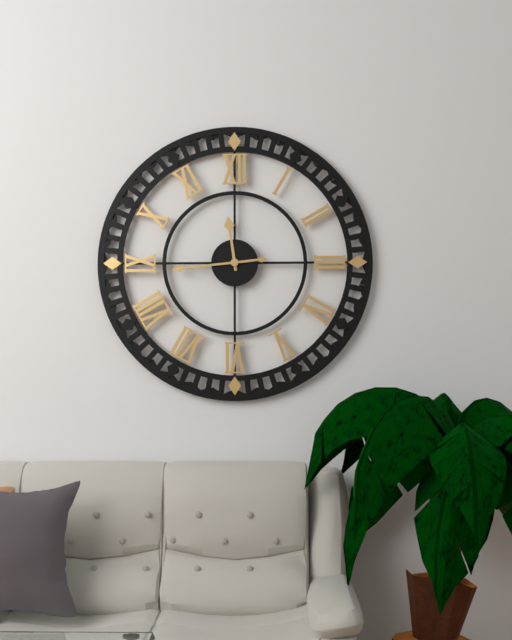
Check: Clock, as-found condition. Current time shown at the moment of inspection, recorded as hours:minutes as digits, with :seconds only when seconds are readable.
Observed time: 11:44
